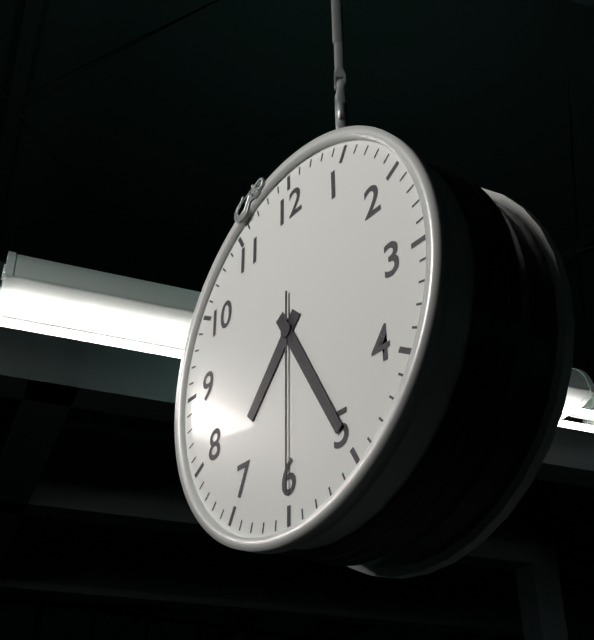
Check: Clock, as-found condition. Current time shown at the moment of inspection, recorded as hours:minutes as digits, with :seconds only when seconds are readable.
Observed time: 7:25:30
